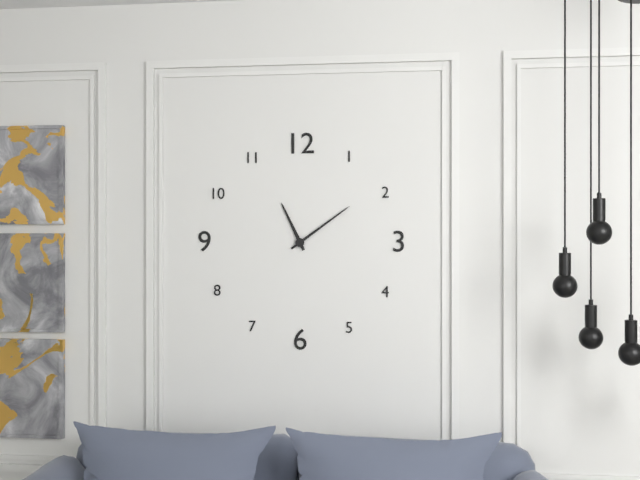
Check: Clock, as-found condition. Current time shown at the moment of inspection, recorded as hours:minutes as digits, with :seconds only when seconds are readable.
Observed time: 11:09
